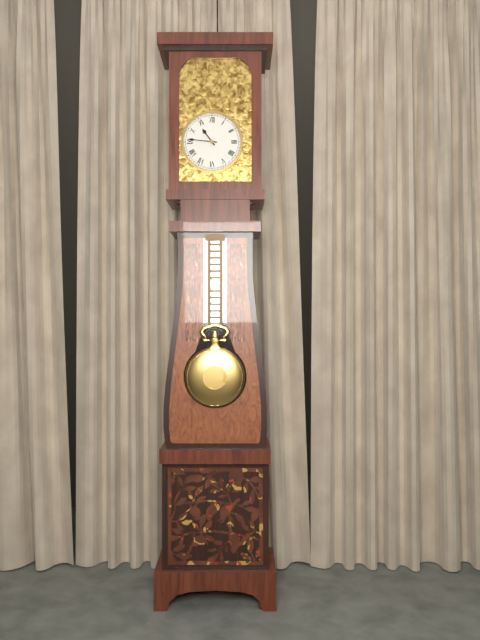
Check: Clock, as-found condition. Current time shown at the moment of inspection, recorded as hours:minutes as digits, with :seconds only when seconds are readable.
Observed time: 10:46
